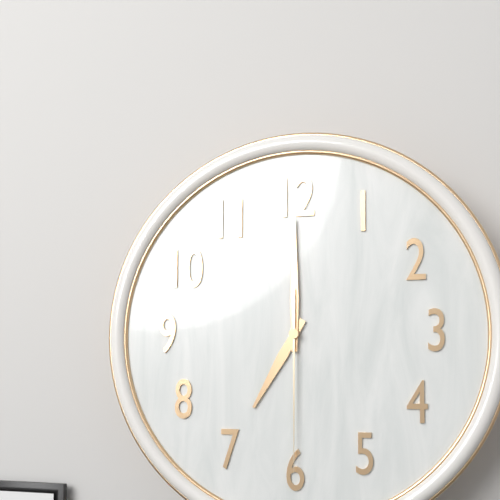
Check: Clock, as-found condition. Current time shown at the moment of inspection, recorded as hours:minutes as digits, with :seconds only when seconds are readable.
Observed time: 7:00:30
